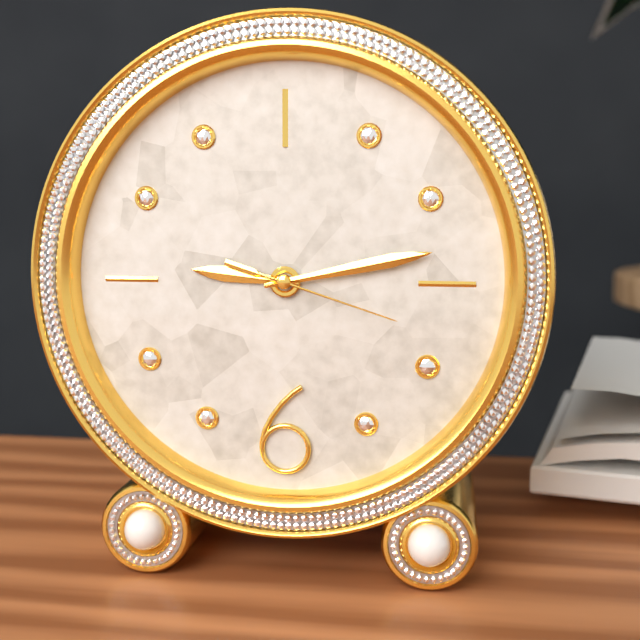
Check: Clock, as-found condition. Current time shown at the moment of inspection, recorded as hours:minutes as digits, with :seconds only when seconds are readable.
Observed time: 9:13:18
